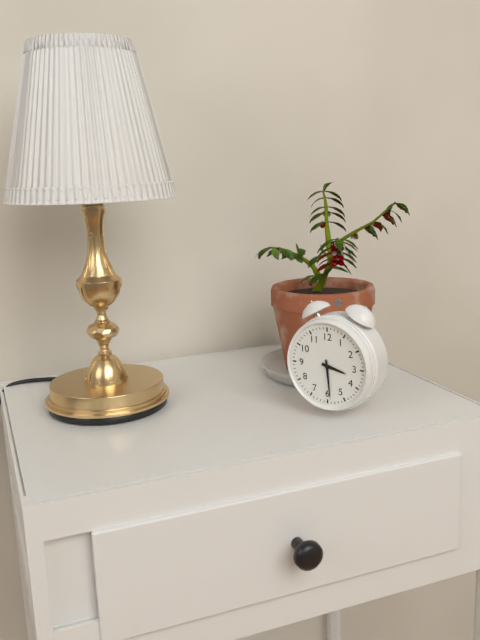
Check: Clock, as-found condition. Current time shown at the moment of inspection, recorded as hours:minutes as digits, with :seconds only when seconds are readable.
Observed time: 3:29
